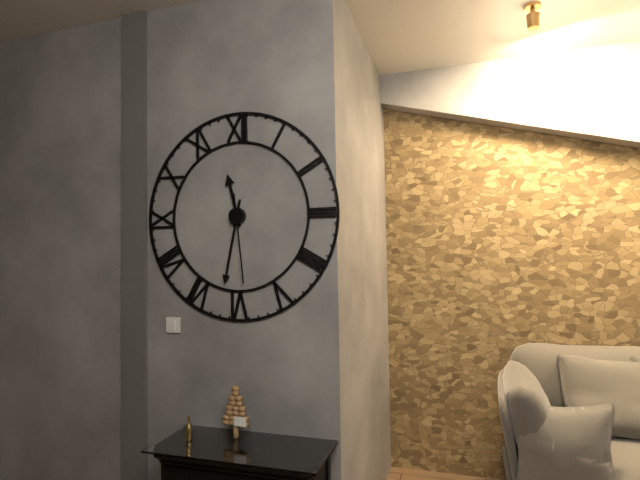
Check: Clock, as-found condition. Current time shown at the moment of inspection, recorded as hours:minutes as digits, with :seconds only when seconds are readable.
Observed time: 11:32:29
